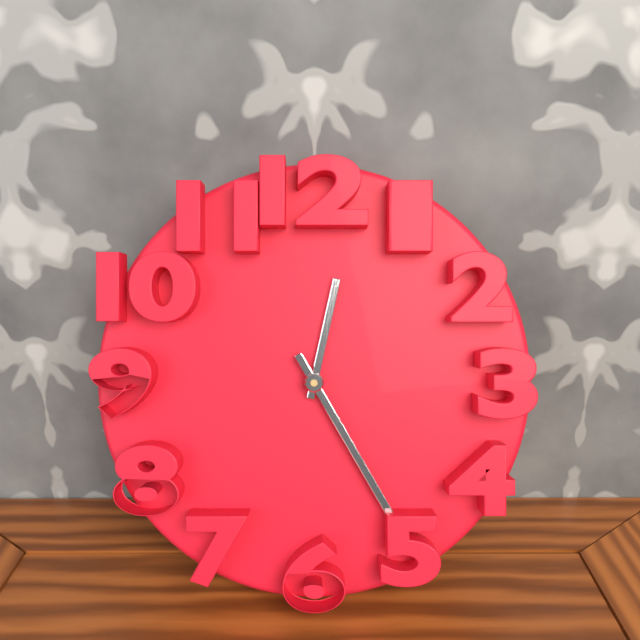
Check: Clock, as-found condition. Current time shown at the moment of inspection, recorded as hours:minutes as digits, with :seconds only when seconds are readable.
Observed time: 12:25
